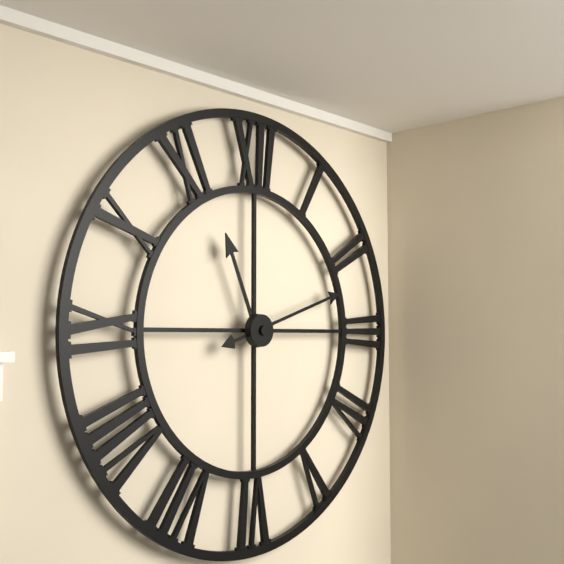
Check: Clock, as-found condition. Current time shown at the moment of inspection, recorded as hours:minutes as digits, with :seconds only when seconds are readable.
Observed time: 11:12
